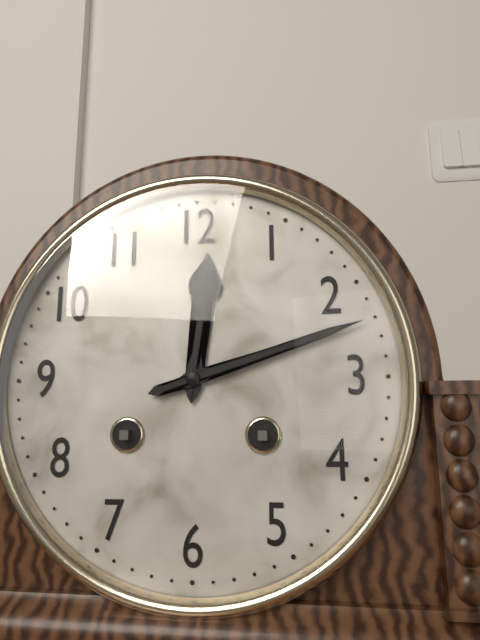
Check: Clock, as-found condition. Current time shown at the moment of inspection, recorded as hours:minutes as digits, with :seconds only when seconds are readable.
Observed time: 12:12
